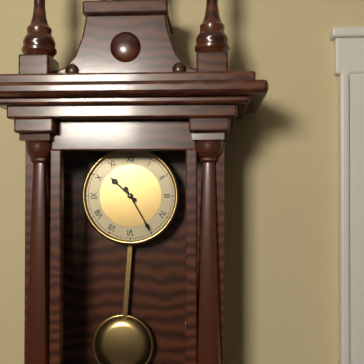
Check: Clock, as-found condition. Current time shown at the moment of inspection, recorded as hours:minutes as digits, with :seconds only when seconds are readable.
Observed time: 10:25
